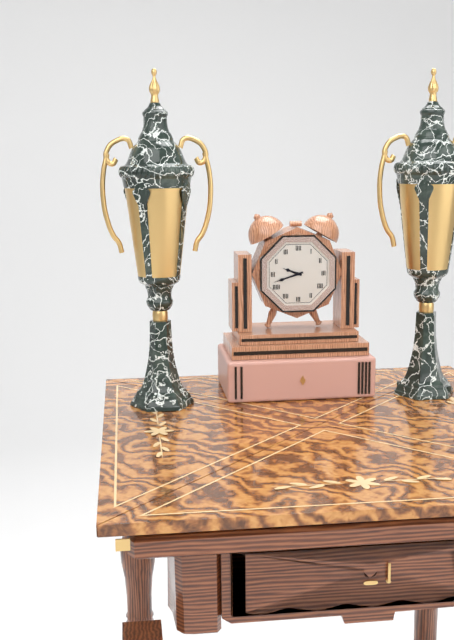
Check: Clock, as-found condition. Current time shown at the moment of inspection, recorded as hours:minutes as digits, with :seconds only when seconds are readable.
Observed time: 9:42
